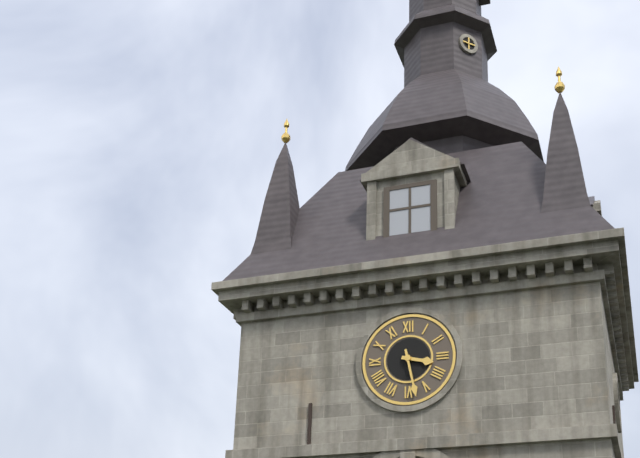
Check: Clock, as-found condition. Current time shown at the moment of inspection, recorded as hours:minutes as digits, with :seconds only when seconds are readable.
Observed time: 3:28
